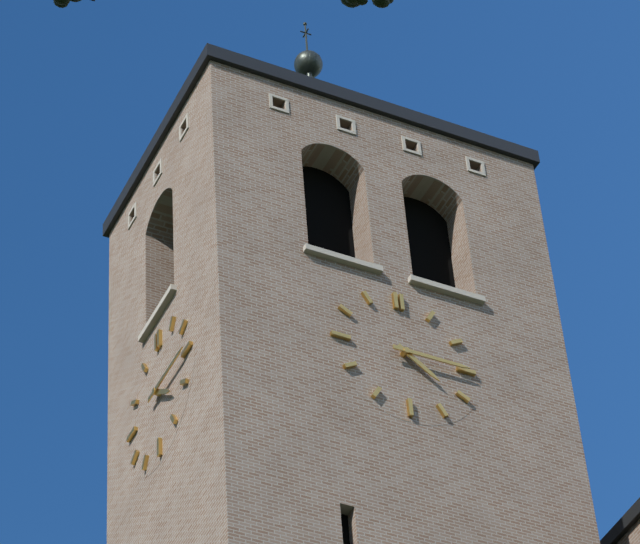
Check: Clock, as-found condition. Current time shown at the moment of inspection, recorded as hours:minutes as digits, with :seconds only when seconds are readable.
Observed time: 4:15
